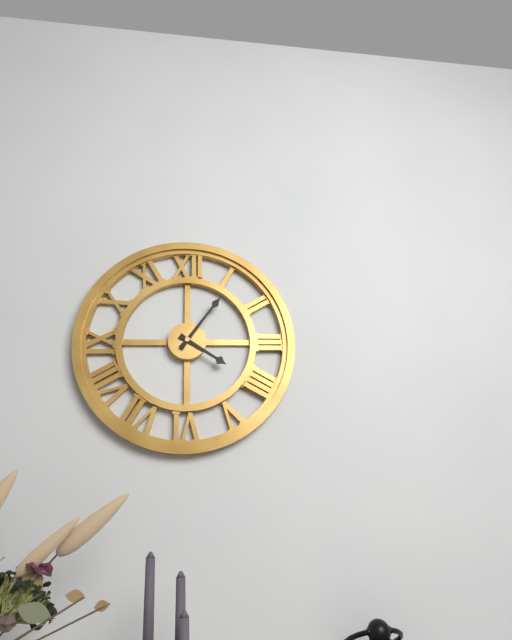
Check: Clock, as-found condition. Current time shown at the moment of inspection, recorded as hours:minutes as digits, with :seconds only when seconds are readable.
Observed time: 4:06
